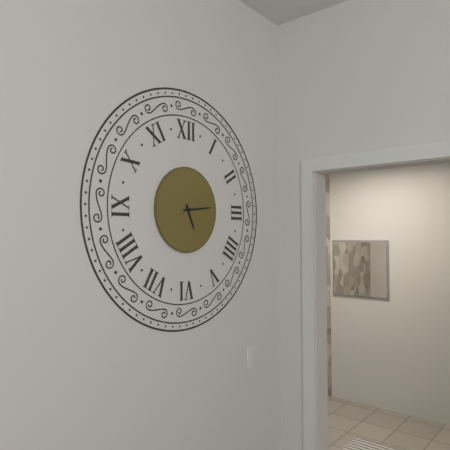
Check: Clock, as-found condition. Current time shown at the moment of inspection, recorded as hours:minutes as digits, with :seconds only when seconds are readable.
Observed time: 5:14
